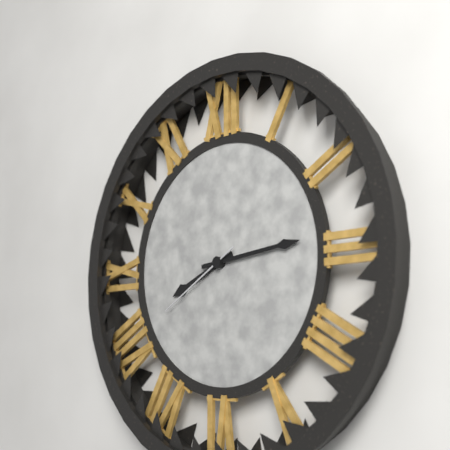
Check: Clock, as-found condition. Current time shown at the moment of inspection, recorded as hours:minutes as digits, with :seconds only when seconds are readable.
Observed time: 8:14:40
